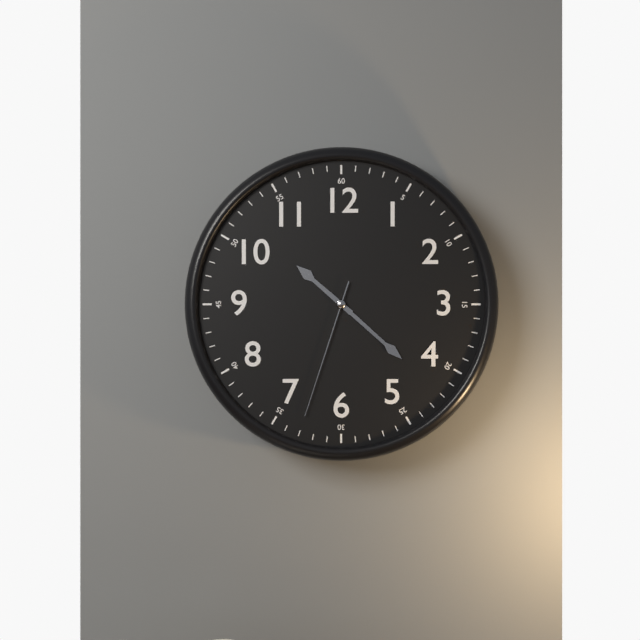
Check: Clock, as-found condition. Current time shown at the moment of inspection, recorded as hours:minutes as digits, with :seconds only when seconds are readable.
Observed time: 10:22:33
